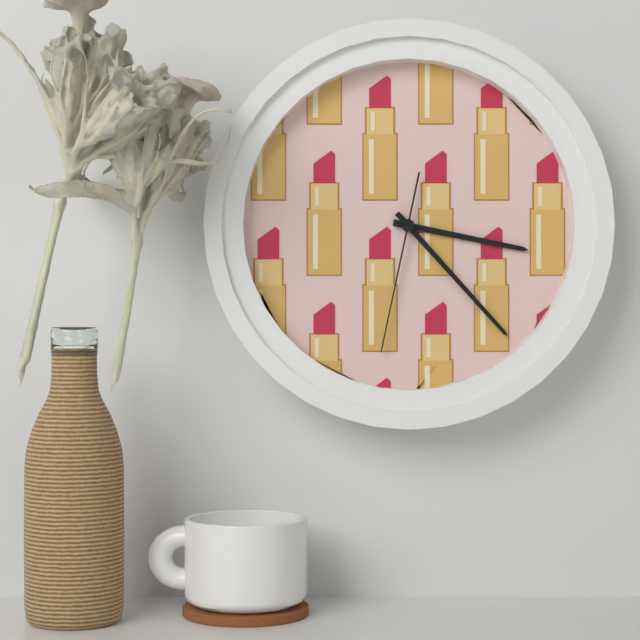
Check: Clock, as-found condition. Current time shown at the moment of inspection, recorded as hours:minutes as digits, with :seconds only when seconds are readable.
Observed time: 3:23:32
